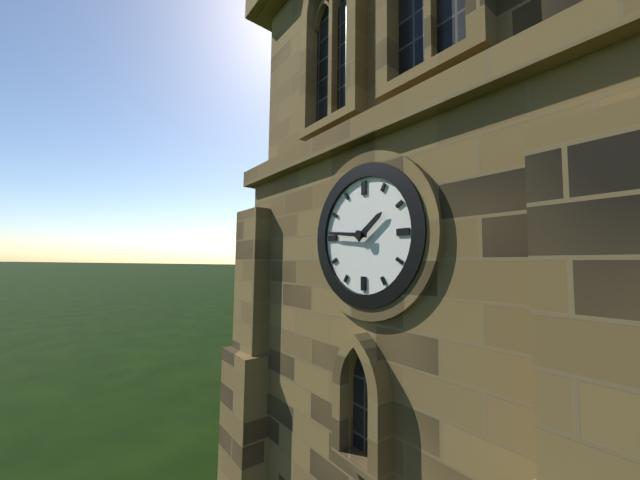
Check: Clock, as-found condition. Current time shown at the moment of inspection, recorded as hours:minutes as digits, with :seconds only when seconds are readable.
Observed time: 1:46
